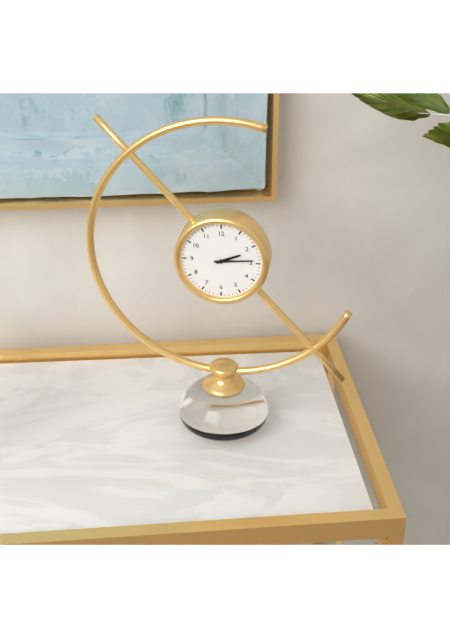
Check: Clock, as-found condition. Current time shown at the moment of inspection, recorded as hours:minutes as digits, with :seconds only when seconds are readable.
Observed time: 2:14
